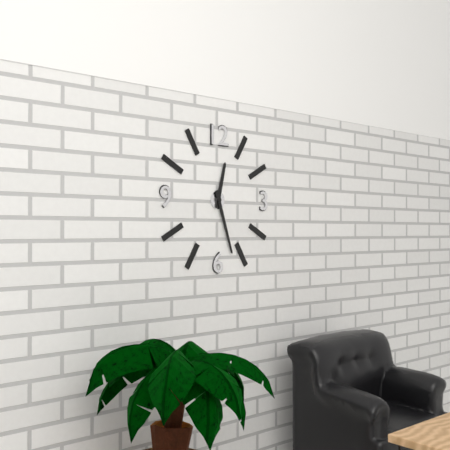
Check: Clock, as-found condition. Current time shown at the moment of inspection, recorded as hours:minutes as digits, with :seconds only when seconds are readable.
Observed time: 12:27
